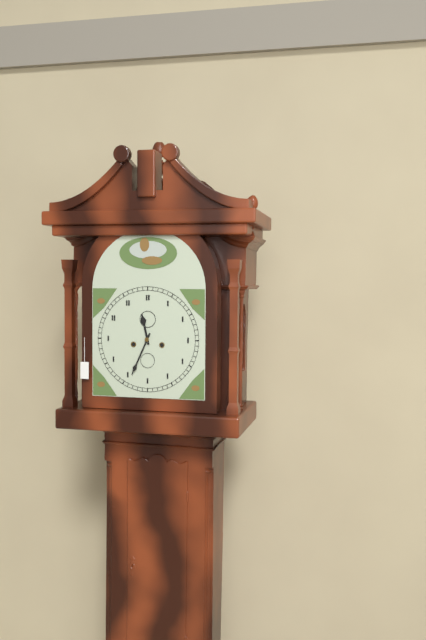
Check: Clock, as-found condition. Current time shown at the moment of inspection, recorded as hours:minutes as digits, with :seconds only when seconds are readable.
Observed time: 11:34
